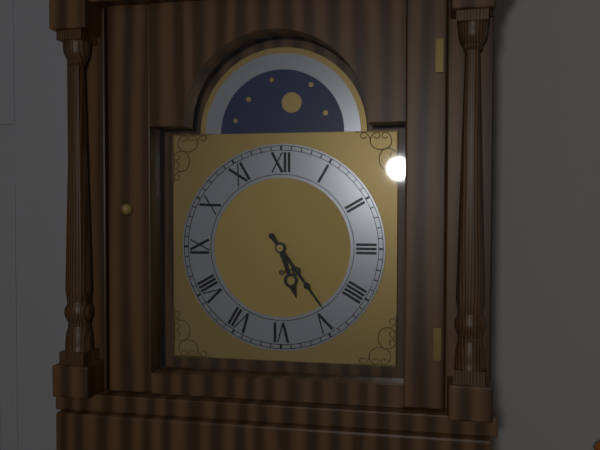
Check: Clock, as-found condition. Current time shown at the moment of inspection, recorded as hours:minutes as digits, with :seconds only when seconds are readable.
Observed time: 5:24
